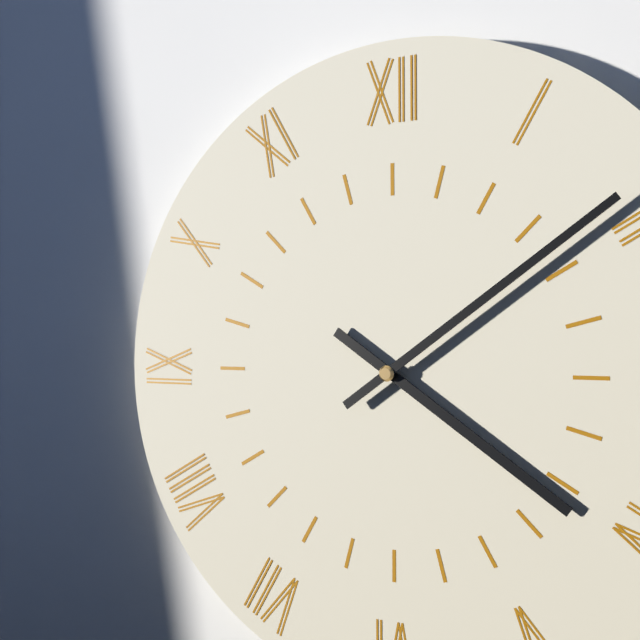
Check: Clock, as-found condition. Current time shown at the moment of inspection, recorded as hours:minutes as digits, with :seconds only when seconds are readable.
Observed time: 4:09
